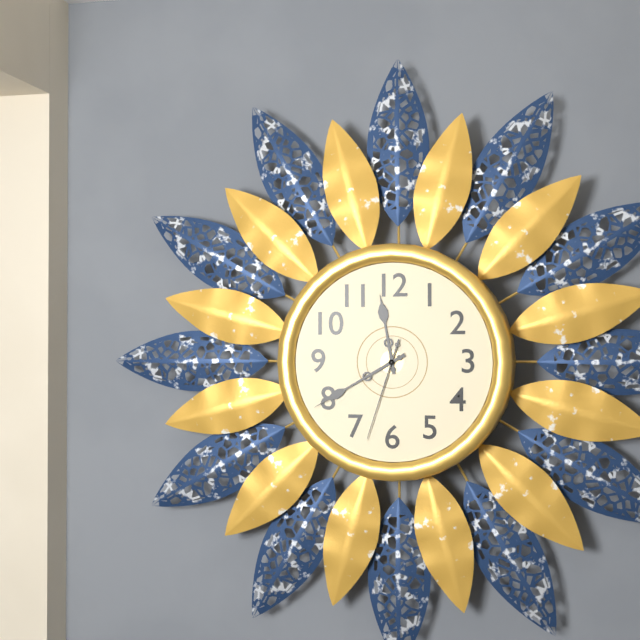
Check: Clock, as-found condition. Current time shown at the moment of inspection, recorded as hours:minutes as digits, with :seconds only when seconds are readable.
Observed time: 11:40:33
